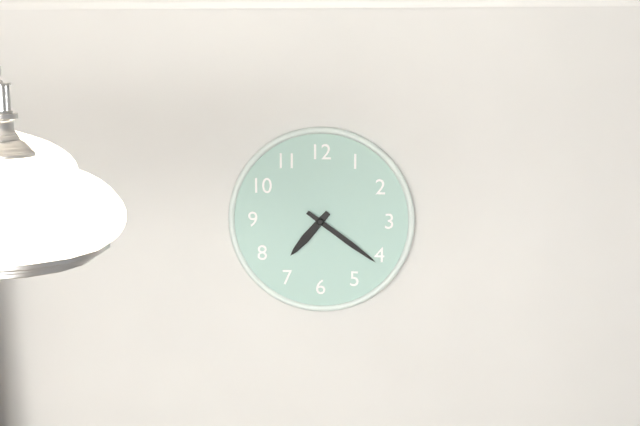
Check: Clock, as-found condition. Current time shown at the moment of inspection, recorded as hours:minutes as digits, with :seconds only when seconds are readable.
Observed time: 7:21
